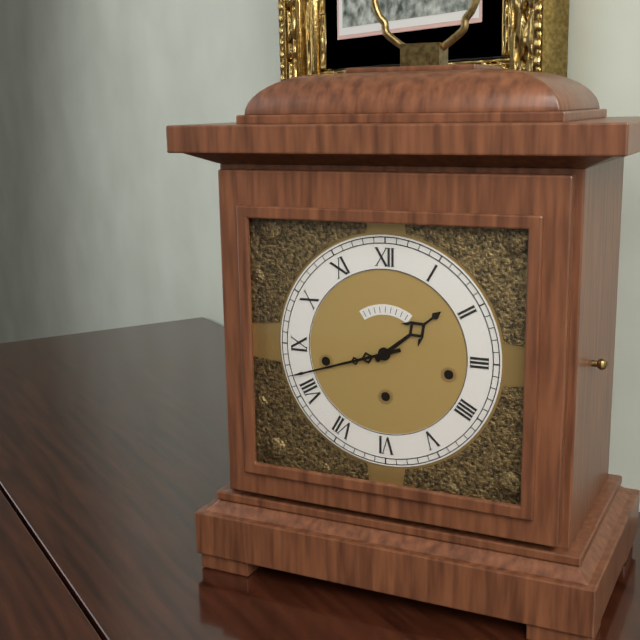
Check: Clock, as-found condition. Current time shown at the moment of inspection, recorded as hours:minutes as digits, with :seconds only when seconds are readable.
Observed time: 1:42
